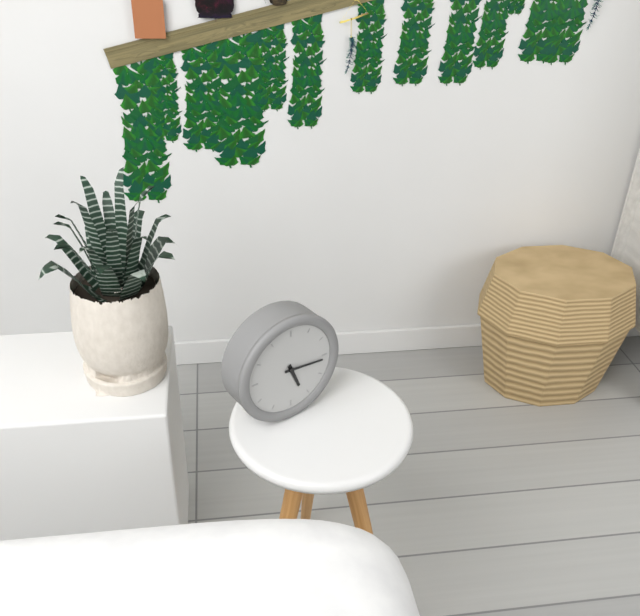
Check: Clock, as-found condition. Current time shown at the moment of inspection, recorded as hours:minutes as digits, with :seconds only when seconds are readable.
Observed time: 5:16
